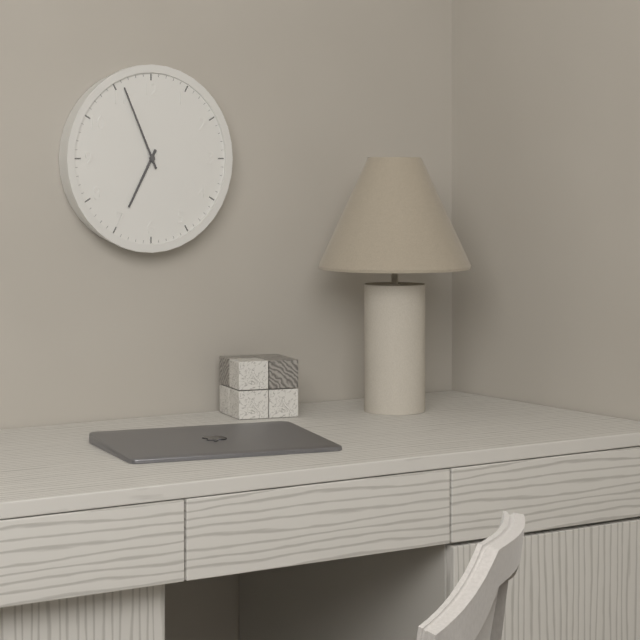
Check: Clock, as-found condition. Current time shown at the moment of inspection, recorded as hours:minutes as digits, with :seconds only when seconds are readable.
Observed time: 6:56
